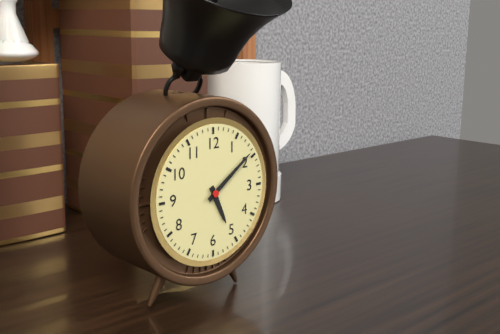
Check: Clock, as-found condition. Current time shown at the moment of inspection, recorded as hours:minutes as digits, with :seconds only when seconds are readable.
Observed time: 5:09
